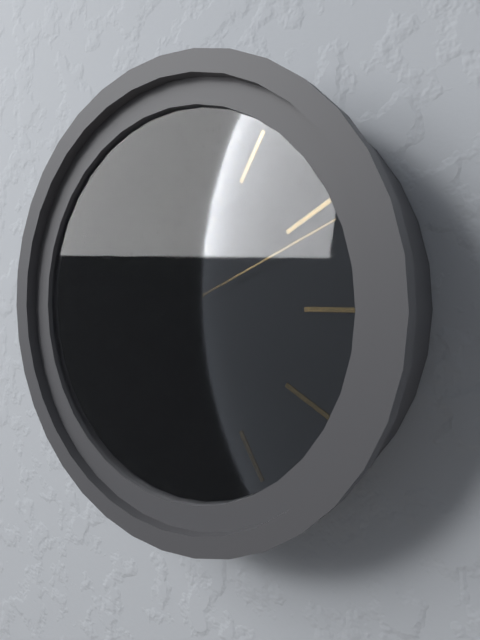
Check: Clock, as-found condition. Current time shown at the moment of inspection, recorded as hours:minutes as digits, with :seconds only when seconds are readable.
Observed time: 9:52:11
